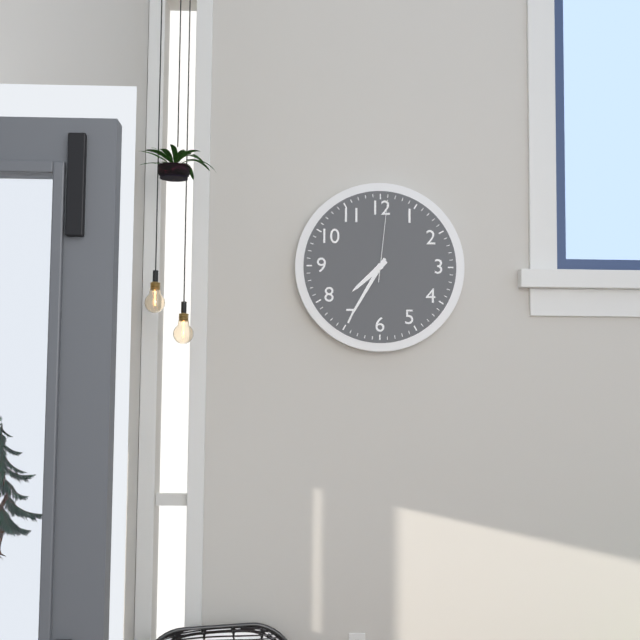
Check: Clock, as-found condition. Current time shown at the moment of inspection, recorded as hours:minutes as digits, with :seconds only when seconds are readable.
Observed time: 7:35:01
